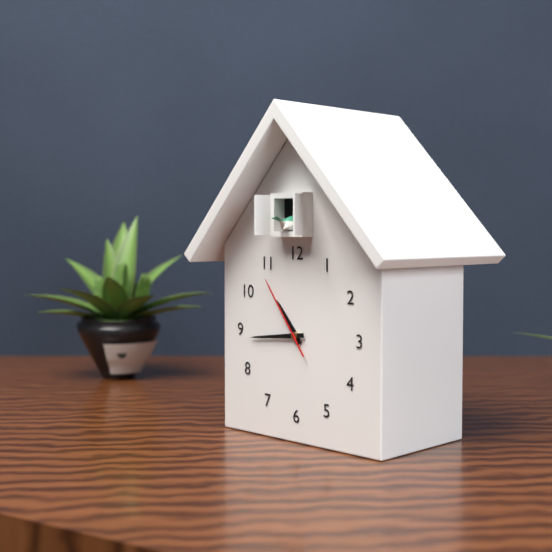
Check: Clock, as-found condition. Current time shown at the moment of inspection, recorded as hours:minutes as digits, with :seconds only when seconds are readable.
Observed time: 10:44:54
